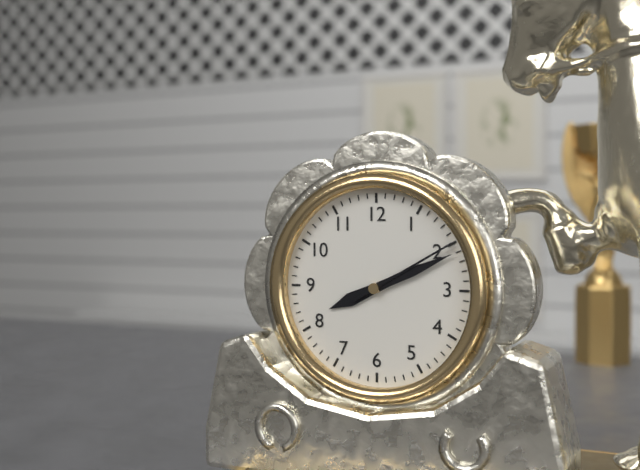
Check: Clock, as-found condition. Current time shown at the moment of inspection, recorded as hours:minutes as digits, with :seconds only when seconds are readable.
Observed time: 8:11:10
